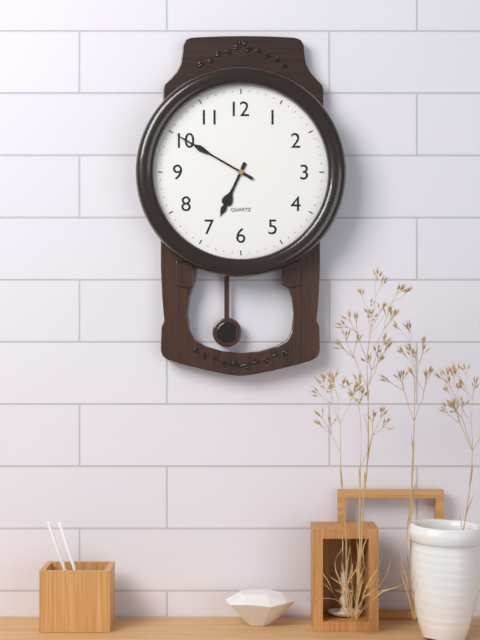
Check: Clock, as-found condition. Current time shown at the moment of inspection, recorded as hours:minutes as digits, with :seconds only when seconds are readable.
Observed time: 6:50
